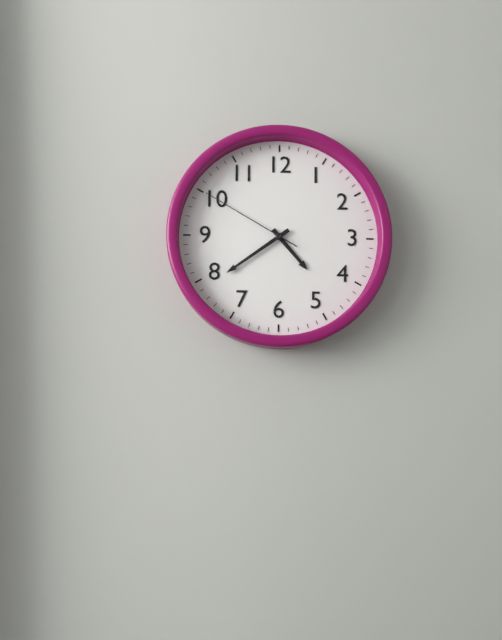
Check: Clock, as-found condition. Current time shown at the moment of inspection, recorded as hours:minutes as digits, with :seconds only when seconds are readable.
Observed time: 4:39:50
